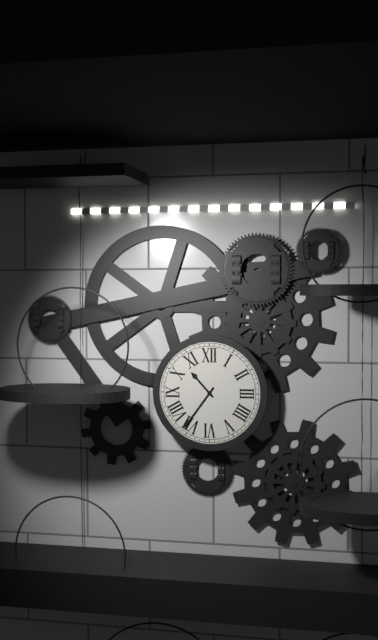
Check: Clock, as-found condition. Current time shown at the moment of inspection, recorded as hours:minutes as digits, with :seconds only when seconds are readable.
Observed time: 10:36
